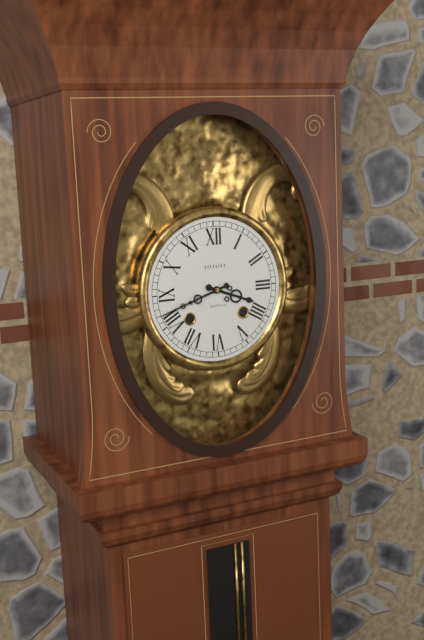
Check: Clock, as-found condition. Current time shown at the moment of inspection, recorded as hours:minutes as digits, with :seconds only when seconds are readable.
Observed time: 3:42
